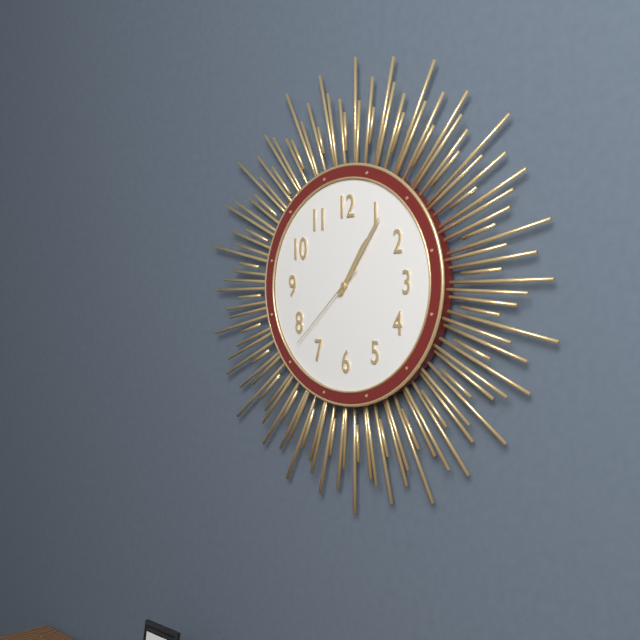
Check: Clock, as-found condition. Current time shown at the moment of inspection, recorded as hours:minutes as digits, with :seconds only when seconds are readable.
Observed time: 1:06:38
